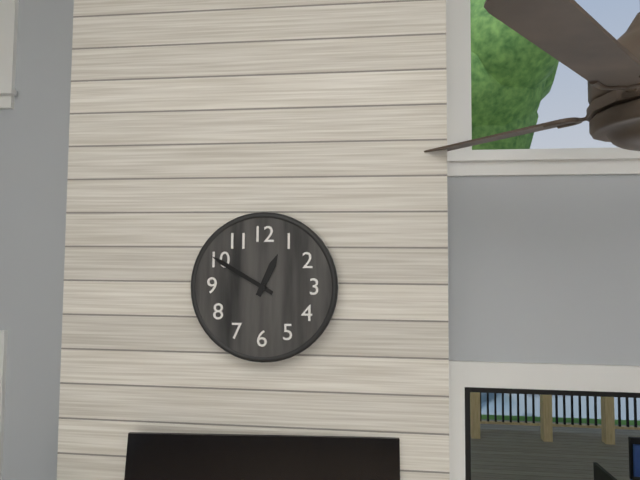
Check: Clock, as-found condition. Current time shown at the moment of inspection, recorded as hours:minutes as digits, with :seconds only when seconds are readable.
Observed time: 12:50
